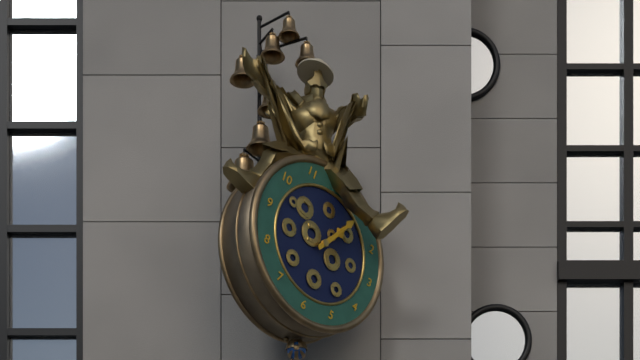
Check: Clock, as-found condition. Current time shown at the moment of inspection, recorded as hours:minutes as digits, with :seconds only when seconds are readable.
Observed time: 1:05
